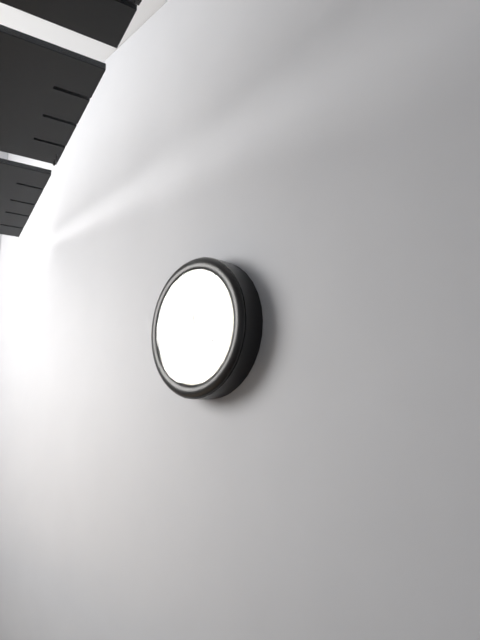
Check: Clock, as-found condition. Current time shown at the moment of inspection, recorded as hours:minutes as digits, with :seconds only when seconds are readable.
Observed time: 3:59
